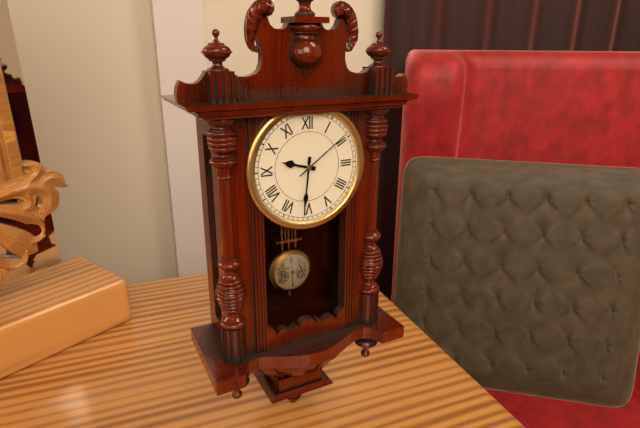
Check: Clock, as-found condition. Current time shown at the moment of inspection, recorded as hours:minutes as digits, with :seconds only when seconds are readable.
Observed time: 9:31:09
